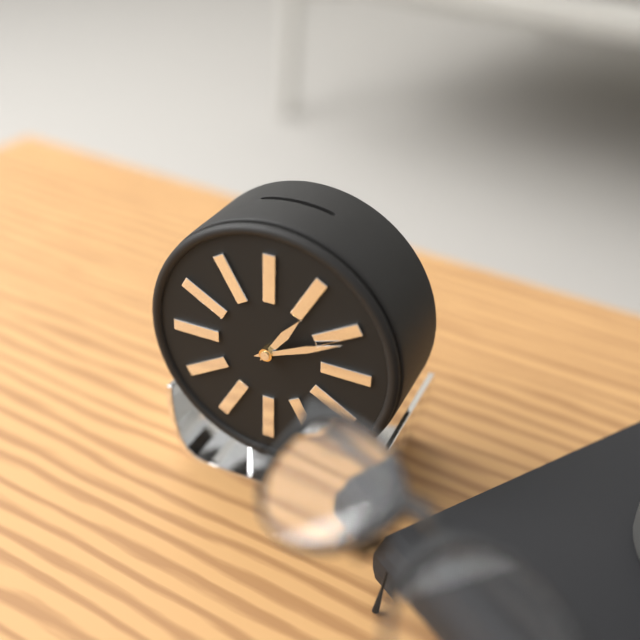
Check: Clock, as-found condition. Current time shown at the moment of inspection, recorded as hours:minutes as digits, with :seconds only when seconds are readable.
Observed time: 1:11
